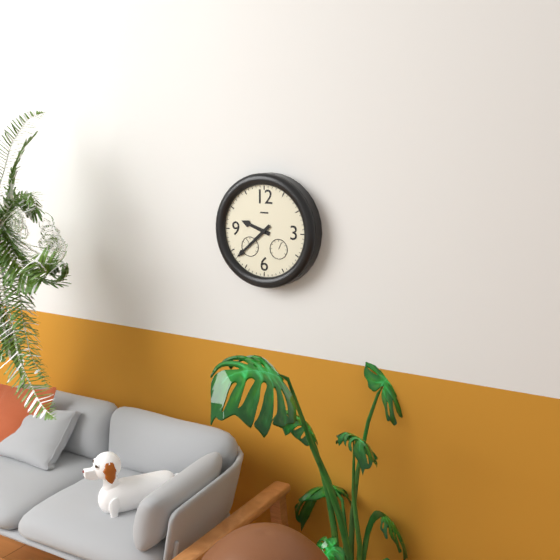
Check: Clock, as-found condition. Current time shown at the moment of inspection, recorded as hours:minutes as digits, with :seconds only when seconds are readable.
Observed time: 9:38
